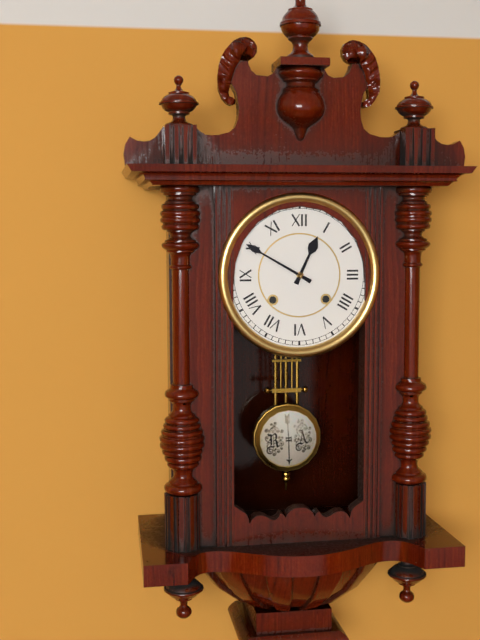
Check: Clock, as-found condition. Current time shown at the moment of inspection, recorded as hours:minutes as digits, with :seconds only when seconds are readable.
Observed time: 12:50
